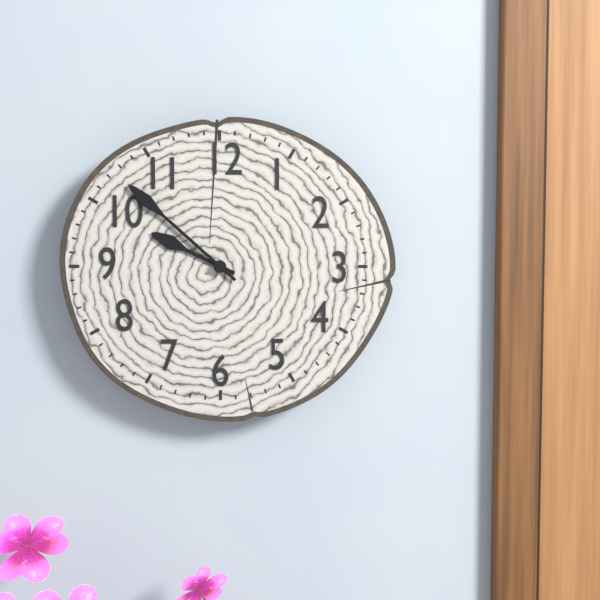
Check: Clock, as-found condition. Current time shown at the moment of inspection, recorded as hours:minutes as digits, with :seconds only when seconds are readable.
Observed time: 9:52
